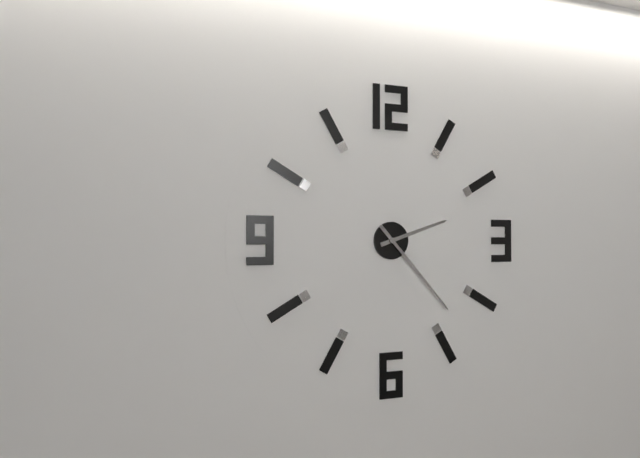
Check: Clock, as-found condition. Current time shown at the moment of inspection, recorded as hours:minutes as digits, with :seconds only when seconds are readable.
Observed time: 2:23
